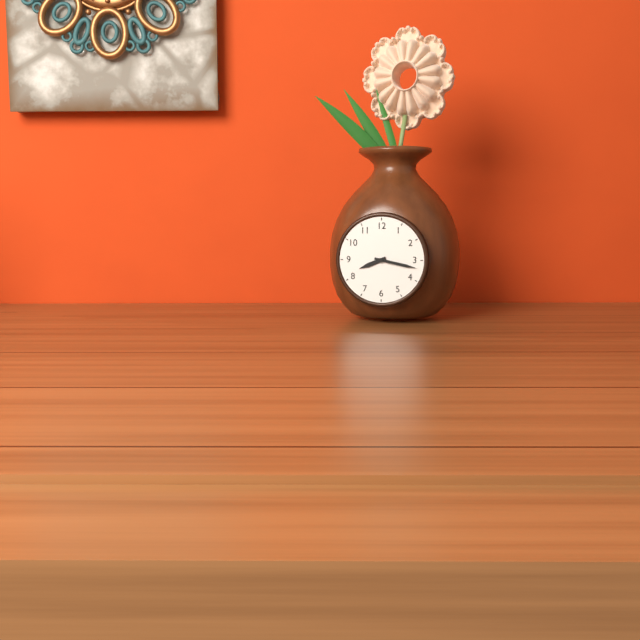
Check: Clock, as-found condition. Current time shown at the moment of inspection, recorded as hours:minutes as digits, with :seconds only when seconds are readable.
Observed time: 8:17
